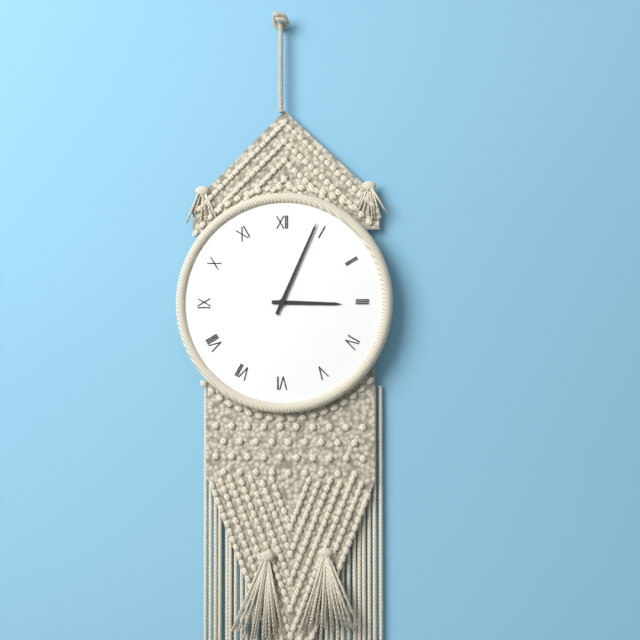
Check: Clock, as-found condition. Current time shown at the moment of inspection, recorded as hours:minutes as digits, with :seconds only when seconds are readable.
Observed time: 3:04
